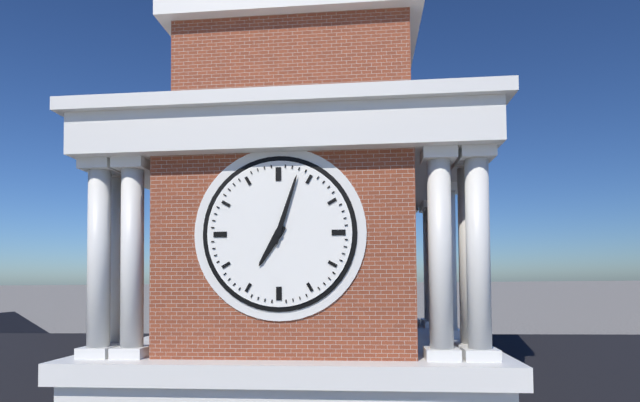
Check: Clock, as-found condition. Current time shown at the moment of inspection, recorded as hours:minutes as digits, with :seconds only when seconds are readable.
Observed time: 7:03
